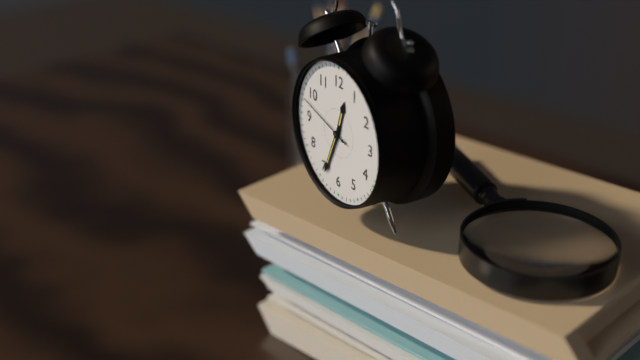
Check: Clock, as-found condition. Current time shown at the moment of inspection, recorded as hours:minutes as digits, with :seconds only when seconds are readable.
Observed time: 12:34:48
